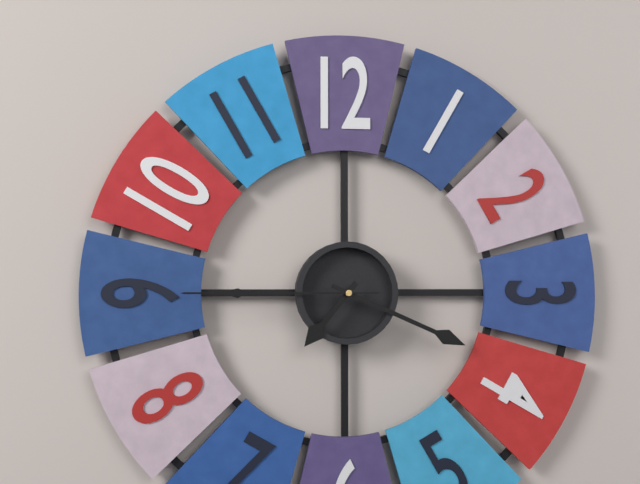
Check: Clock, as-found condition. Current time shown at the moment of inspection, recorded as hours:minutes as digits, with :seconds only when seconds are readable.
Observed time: 7:19:45
